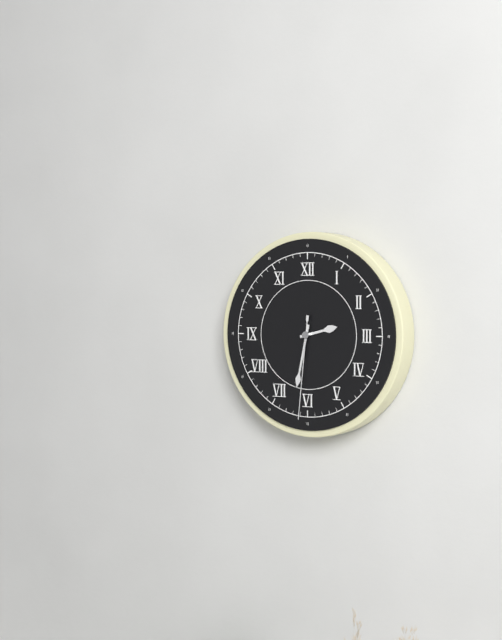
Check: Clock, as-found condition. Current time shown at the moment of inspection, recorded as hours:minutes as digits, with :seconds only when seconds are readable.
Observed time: 2:32:31
